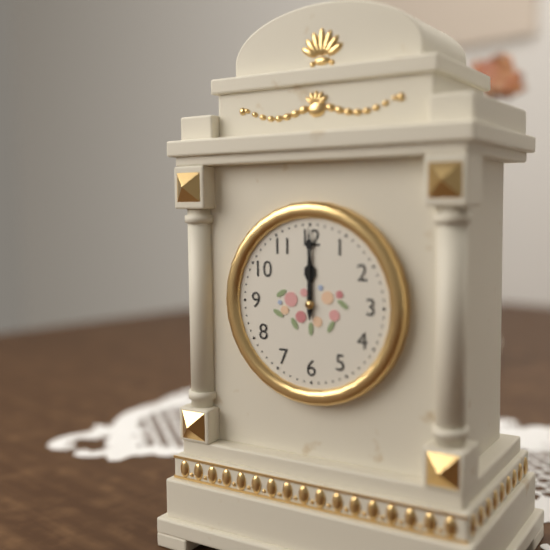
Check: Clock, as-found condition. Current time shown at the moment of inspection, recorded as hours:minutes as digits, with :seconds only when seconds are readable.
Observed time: 12:00
